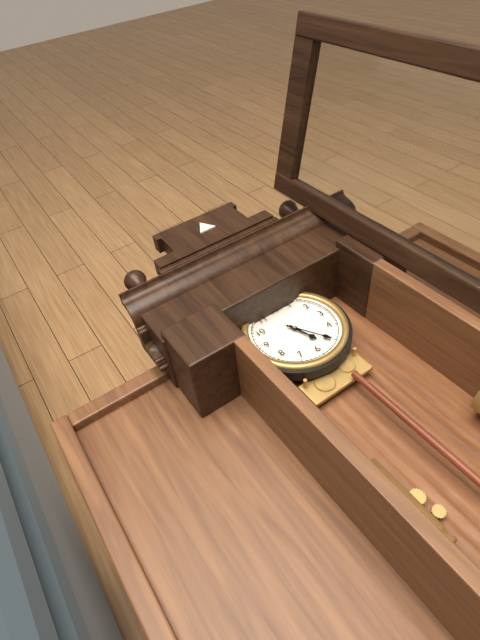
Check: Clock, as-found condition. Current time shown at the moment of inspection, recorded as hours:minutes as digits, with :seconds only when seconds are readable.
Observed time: 5:25
